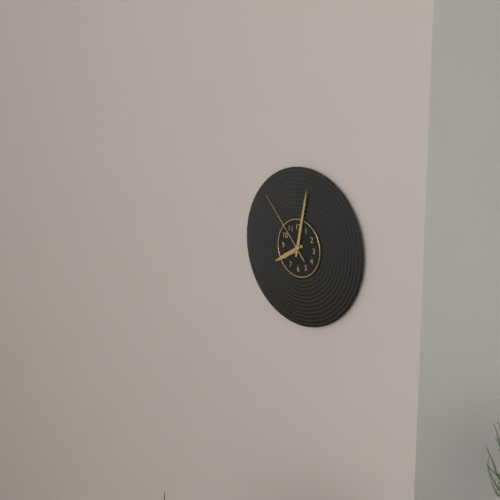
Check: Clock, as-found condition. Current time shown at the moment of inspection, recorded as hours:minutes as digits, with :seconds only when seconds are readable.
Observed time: 8:02:53
